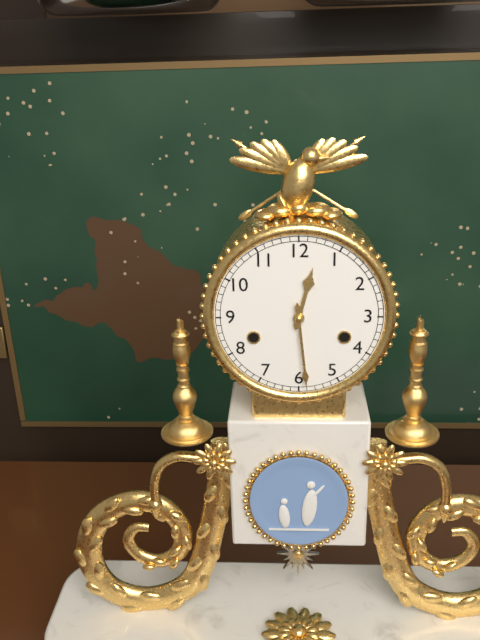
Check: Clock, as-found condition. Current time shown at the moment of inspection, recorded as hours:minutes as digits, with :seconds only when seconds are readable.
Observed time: 12:29
